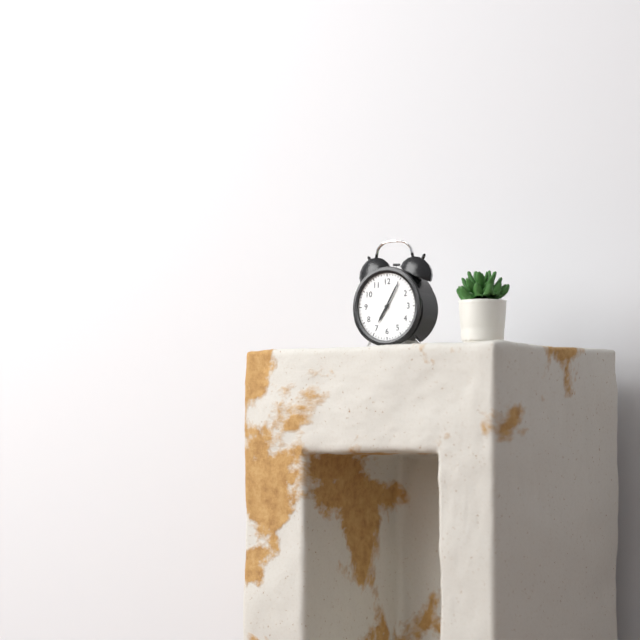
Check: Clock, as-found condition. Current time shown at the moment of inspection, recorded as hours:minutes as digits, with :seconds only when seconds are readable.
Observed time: 7:05
